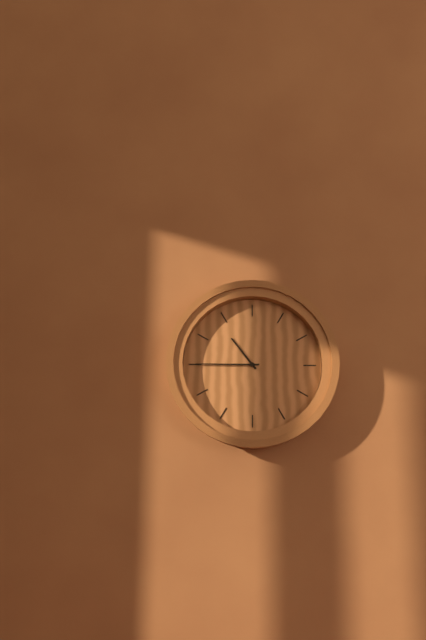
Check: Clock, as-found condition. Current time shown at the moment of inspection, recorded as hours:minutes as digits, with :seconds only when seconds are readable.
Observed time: 10:45
